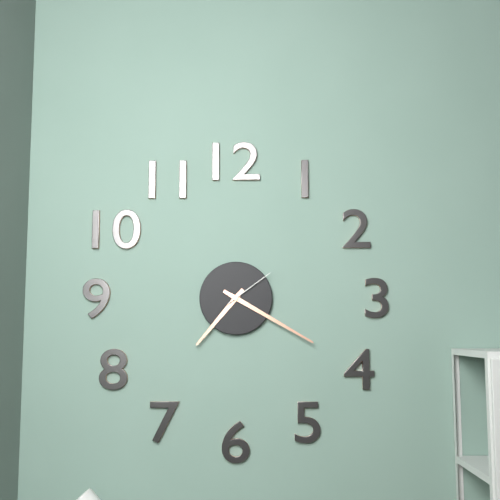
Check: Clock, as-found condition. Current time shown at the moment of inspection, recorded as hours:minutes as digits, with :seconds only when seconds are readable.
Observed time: 7:20:09
